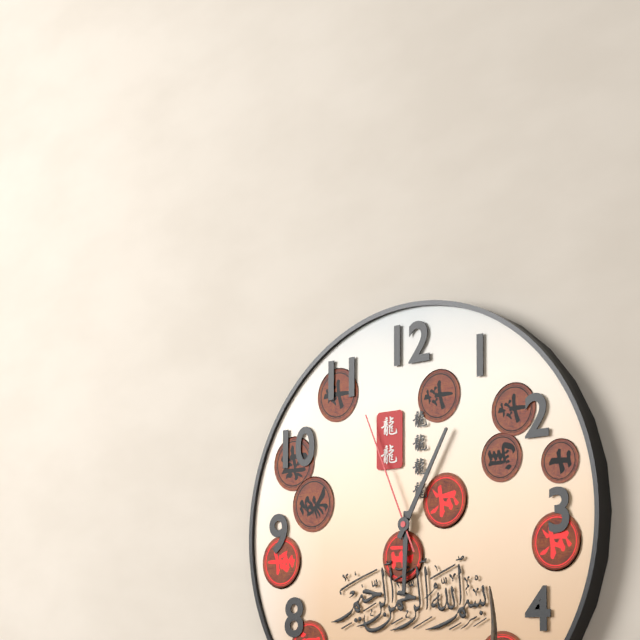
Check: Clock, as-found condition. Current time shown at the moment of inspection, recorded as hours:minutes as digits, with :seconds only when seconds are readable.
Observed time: 6:05:56
